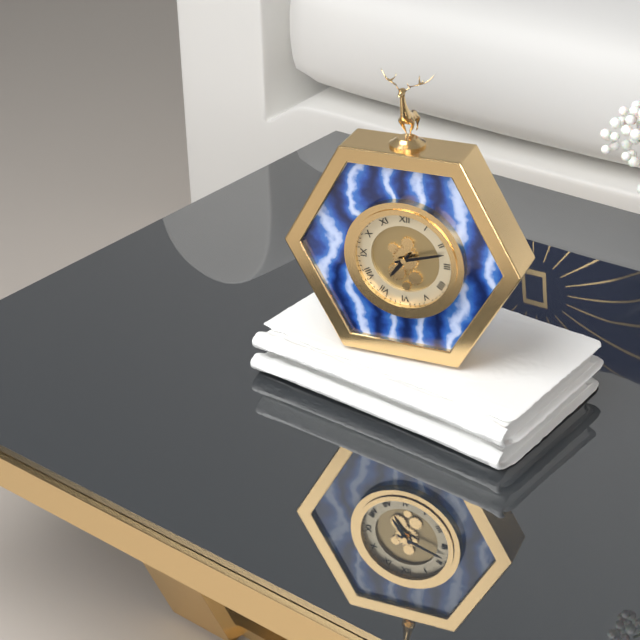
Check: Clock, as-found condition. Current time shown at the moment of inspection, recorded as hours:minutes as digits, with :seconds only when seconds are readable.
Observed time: 7:12
